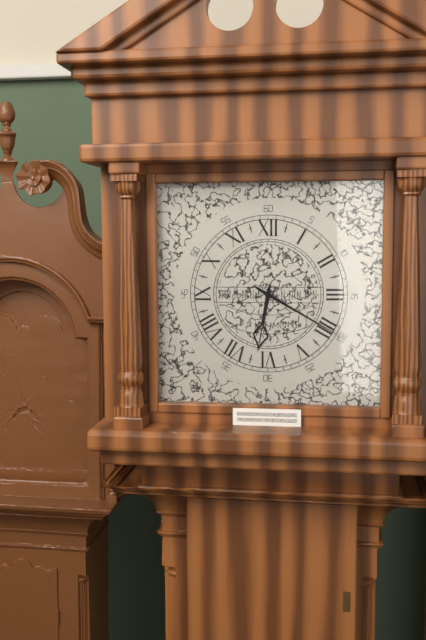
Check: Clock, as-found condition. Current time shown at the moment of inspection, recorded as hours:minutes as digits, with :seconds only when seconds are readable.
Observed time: 6:20
